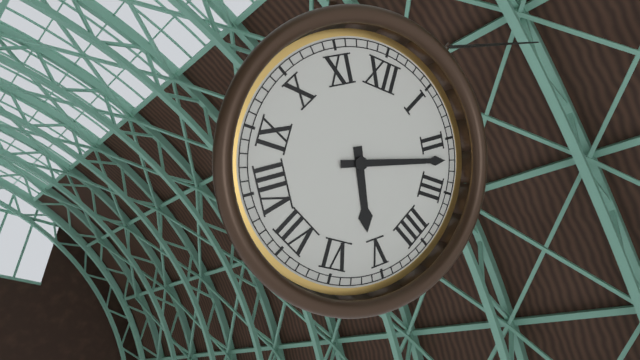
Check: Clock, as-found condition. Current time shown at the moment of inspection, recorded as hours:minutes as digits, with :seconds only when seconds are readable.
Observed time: 5:12
